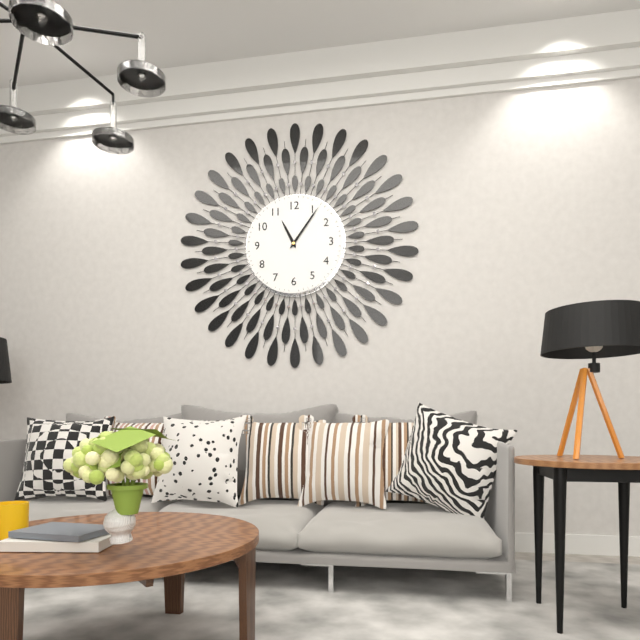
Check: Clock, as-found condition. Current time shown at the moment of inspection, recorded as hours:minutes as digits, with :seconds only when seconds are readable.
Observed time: 11:06
